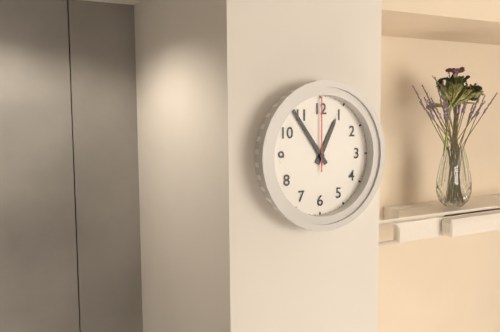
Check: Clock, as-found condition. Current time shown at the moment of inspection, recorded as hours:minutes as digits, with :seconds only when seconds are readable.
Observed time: 12:54:00
